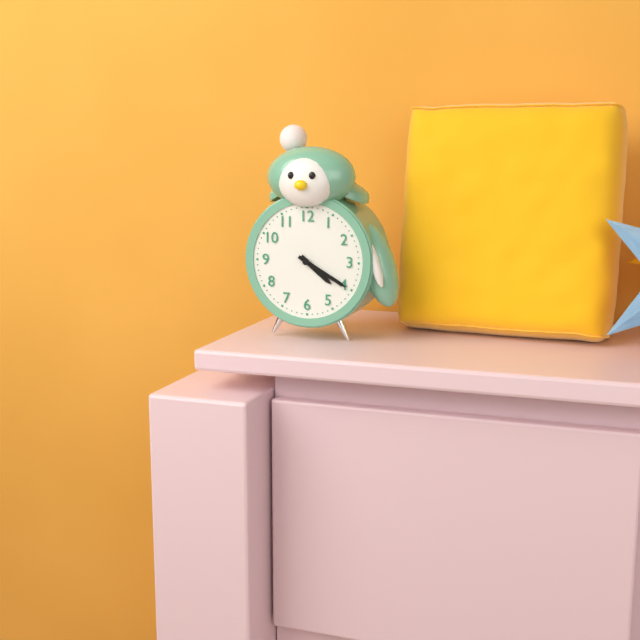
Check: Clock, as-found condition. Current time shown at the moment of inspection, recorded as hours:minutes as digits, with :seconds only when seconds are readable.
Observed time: 4:20
